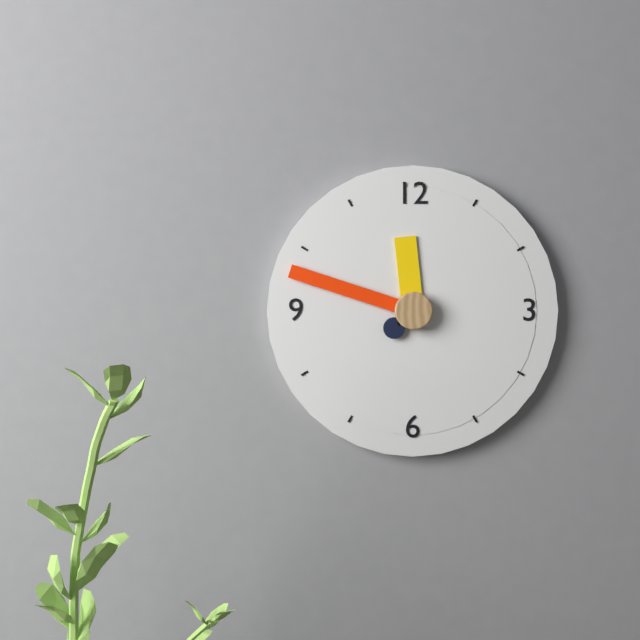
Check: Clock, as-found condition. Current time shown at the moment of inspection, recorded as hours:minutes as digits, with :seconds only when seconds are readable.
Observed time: 11:48
